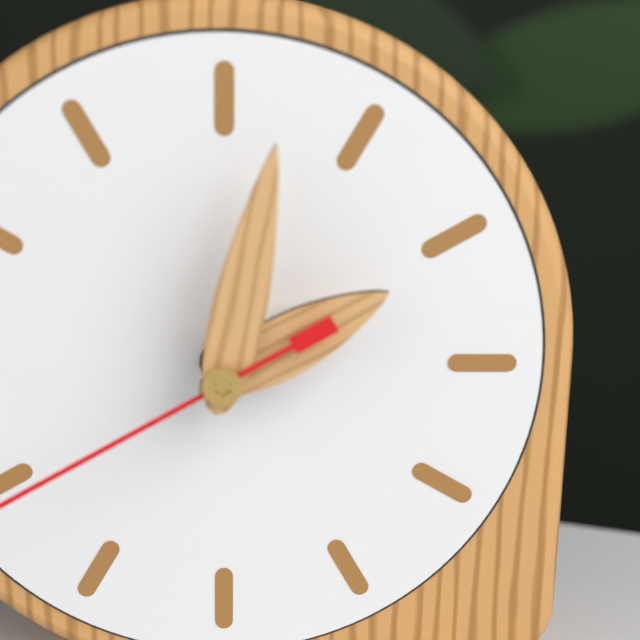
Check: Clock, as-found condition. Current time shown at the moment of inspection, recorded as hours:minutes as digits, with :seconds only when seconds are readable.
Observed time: 2:02
